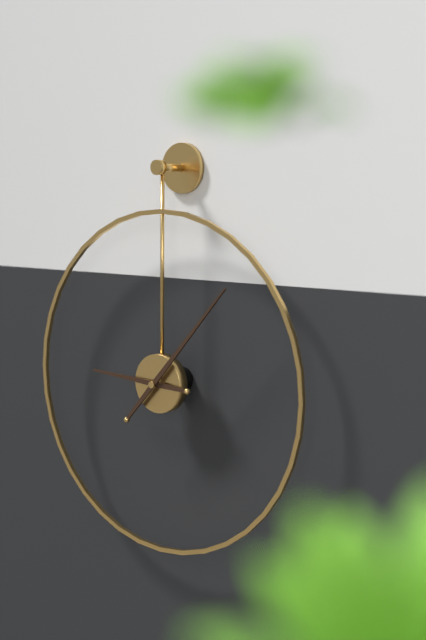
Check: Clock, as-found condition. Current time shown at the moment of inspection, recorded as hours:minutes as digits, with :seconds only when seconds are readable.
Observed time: 9:07
